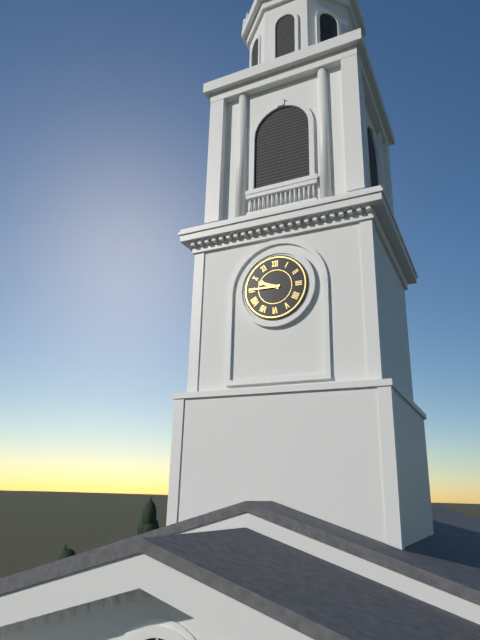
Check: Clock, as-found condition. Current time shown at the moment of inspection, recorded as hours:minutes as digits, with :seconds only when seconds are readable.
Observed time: 9:45
